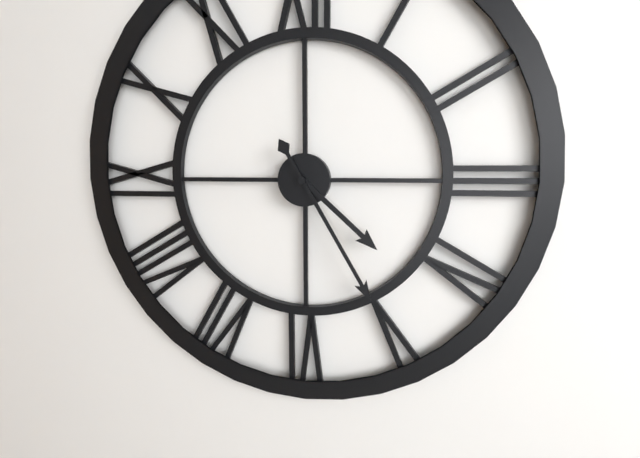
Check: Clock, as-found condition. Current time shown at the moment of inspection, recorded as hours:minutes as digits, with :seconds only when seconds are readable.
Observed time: 4:25
